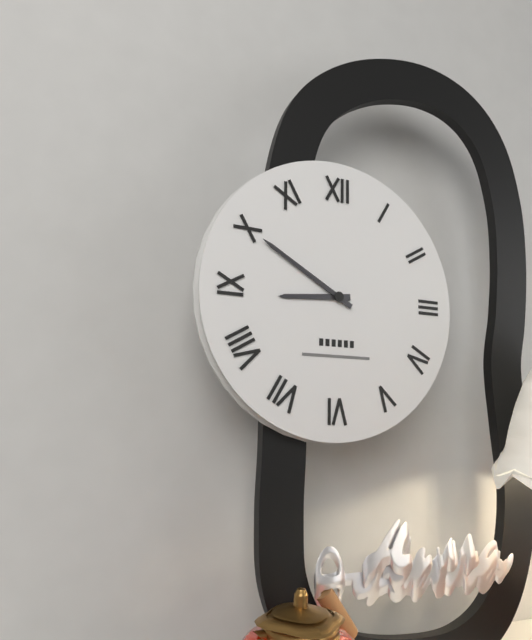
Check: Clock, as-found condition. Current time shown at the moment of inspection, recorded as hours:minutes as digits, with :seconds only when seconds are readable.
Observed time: 8:50
